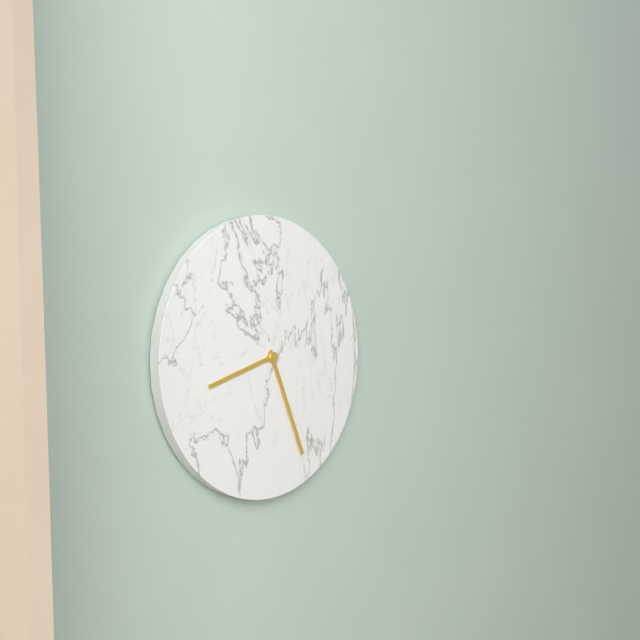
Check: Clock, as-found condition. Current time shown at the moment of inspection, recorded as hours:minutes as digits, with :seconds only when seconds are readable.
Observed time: 8:26
